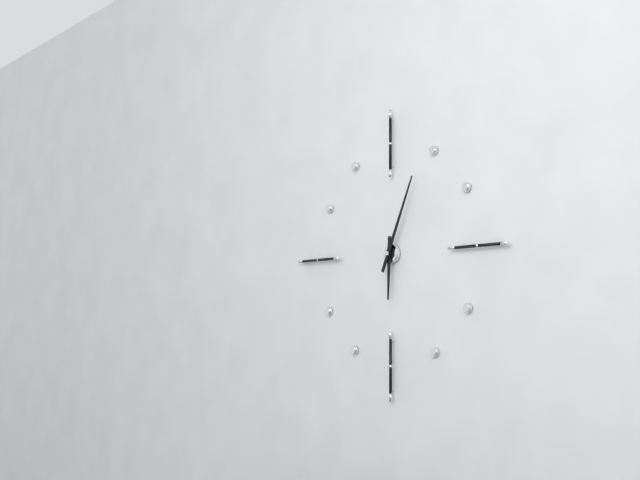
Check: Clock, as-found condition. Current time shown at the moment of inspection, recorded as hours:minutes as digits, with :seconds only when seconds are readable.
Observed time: 6:04
